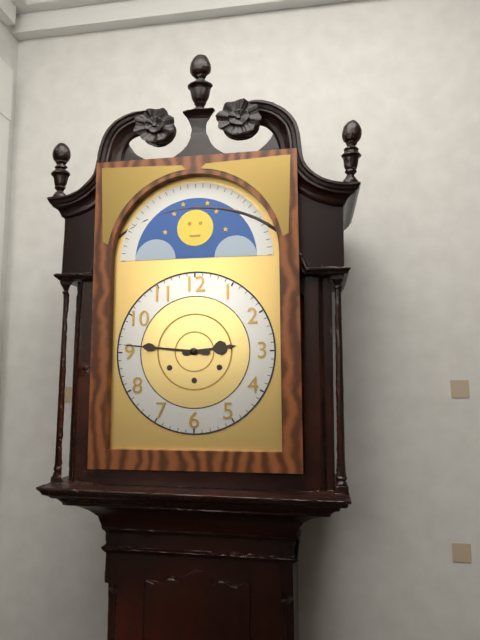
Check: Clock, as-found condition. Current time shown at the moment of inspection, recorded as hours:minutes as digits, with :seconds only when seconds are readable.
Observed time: 2:46
